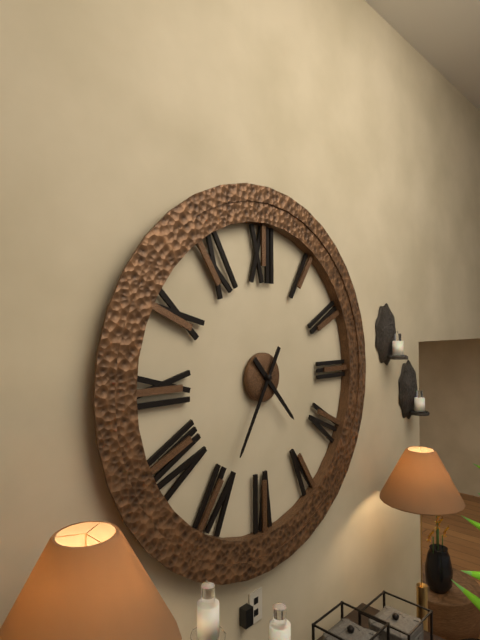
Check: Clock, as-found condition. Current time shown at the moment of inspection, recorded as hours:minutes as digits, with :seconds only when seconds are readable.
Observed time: 4:35
